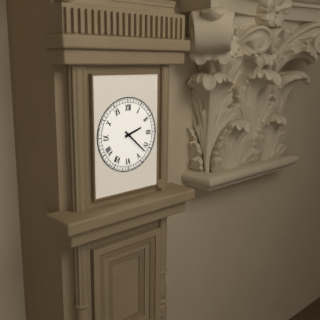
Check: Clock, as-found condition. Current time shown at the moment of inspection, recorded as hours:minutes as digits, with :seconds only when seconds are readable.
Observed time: 2:22
